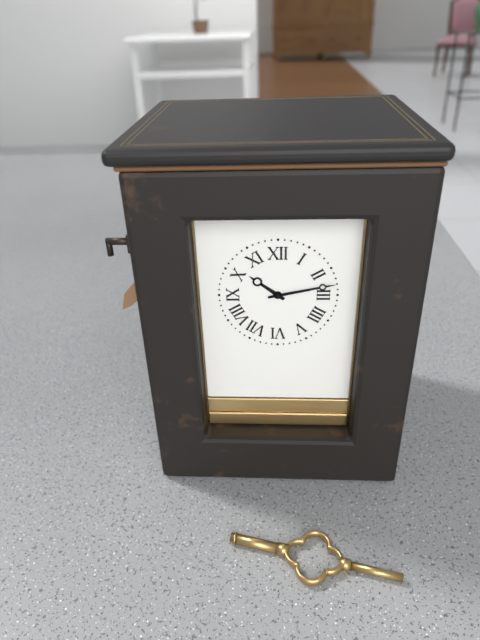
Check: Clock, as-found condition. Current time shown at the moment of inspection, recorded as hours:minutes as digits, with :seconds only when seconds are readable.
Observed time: 10:13
